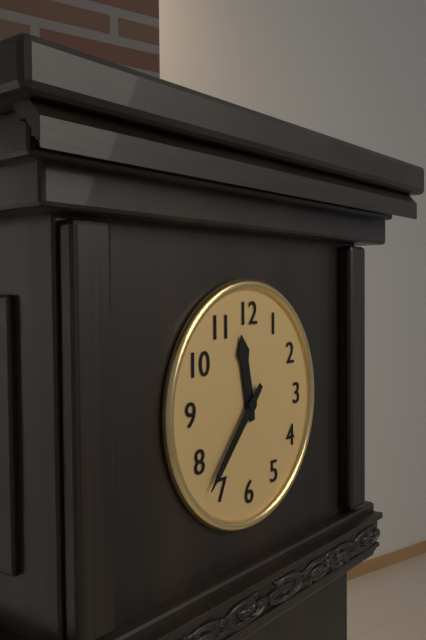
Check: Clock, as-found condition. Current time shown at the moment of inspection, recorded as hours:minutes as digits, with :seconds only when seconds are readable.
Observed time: 11:37
